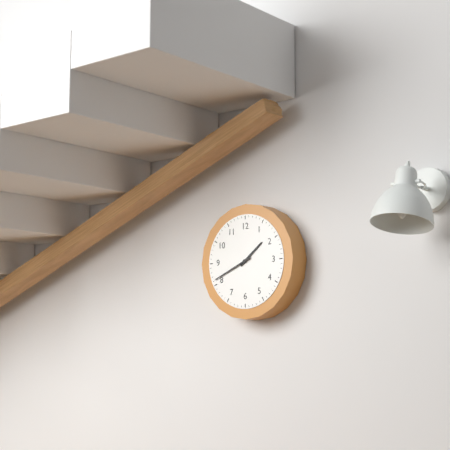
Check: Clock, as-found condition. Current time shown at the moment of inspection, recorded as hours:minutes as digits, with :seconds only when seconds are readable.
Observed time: 1:41
